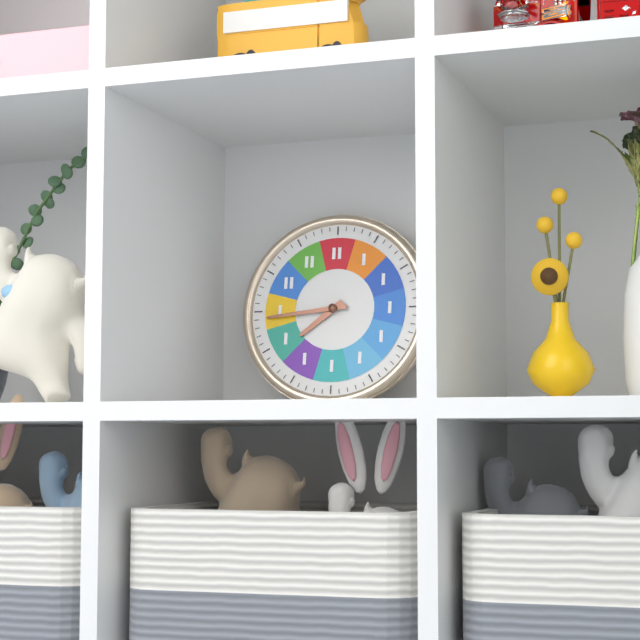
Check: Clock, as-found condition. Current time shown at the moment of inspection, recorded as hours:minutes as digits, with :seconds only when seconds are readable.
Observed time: 7:44
